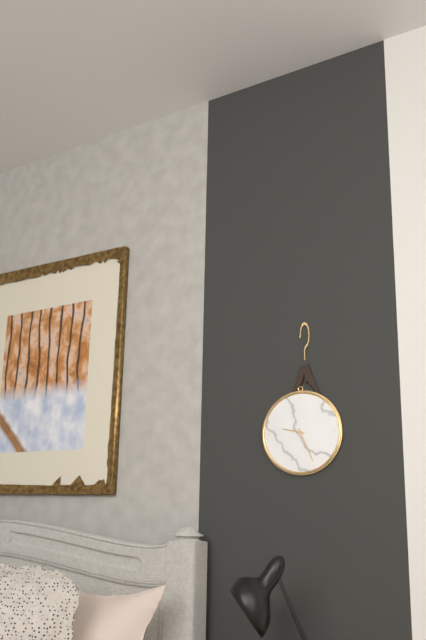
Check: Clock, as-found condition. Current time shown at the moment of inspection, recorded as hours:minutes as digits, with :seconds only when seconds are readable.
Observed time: 9:26
